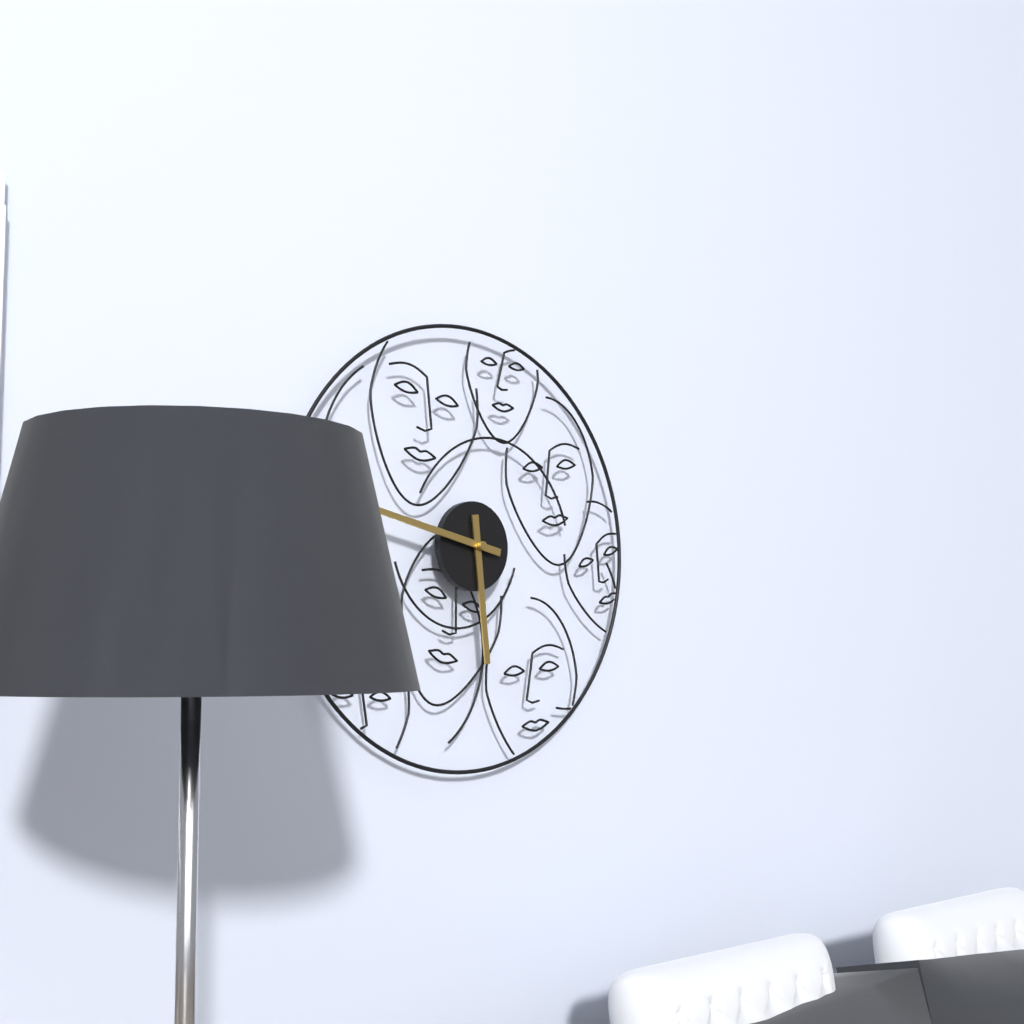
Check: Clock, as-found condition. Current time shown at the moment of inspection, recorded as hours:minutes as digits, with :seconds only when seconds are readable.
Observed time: 5:47
